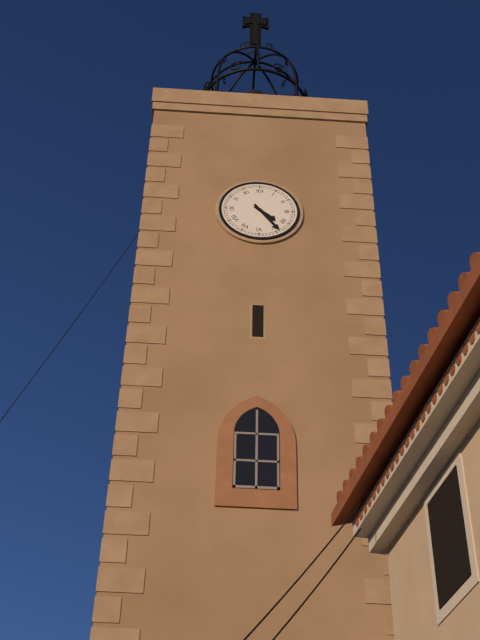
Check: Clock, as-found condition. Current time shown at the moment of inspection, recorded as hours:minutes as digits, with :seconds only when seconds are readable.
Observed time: 4:24
